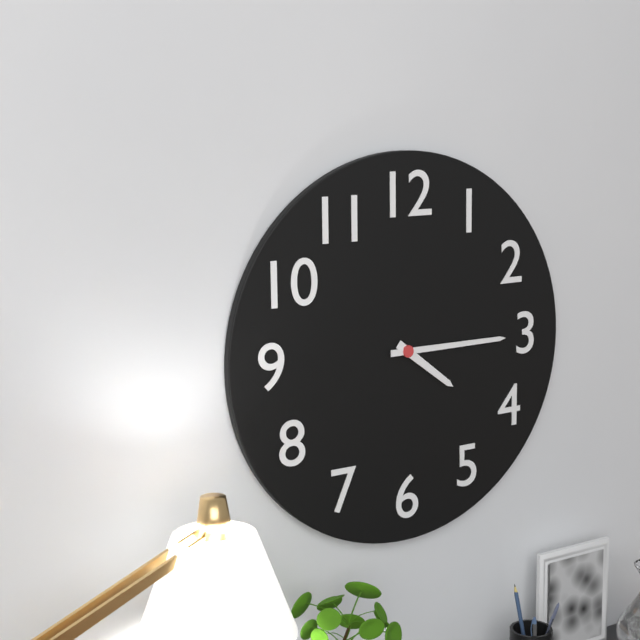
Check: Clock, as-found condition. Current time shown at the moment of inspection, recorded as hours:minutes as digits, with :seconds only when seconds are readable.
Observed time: 4:15
